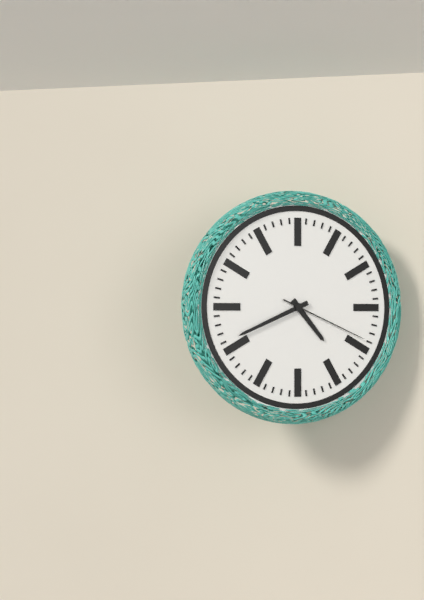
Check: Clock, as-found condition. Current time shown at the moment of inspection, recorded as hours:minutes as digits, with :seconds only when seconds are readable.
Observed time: 4:41:19
